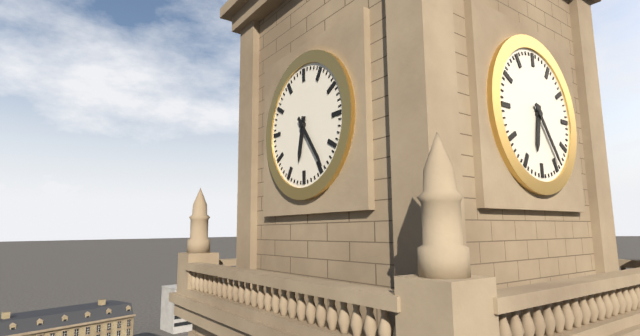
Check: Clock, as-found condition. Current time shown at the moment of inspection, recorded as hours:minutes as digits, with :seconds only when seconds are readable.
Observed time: 6:24
